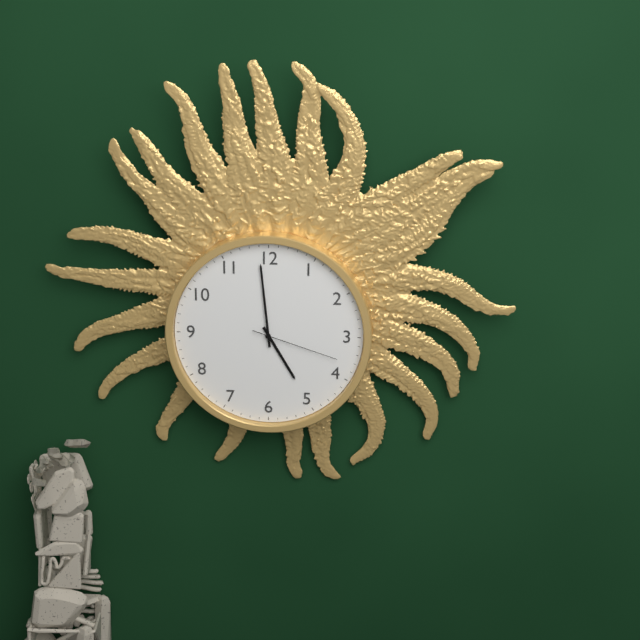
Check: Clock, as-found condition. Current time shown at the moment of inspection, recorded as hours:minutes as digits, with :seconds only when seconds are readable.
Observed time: 4:59:18
